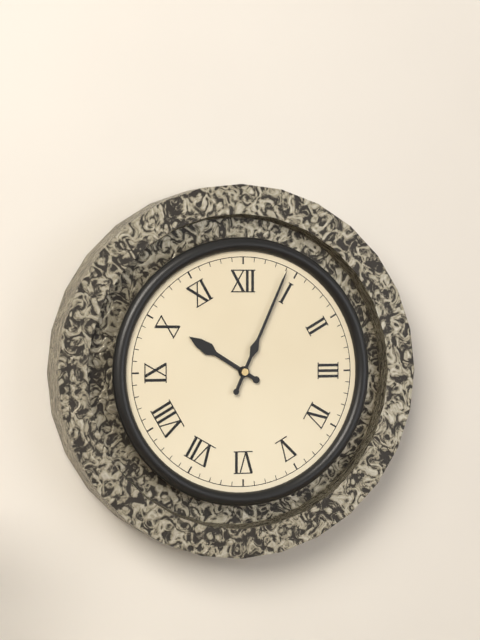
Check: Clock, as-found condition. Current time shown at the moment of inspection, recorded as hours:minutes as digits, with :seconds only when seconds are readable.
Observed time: 10:04
